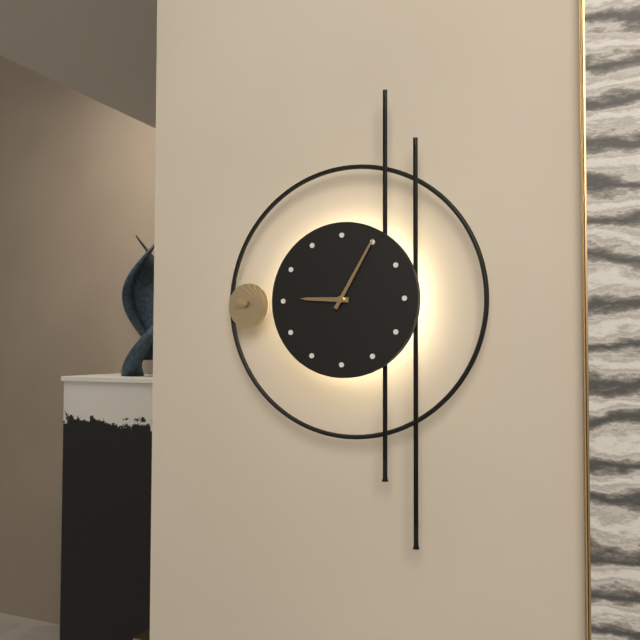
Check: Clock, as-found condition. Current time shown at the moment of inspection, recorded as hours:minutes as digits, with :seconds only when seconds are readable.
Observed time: 9:05
